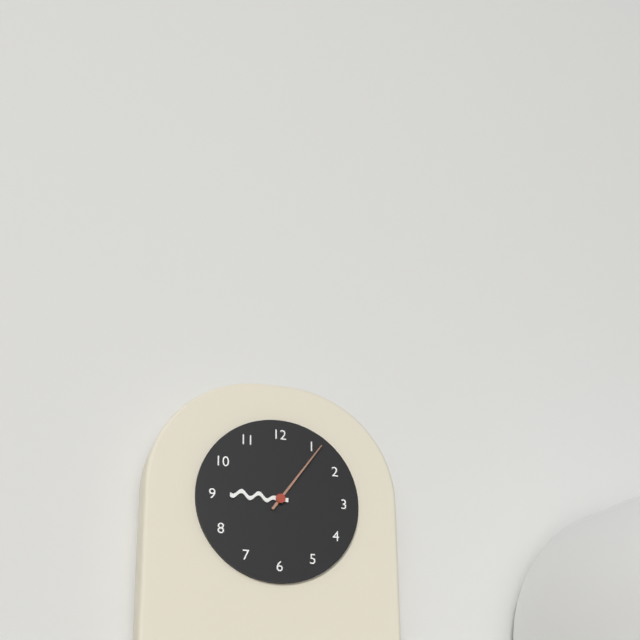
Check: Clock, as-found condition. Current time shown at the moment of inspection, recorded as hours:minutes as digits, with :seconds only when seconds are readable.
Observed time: 9:06
